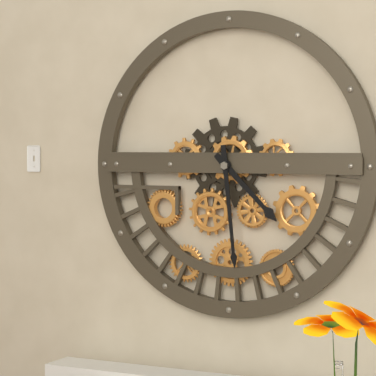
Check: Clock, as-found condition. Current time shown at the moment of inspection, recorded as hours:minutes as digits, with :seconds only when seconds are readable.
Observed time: 4:29
